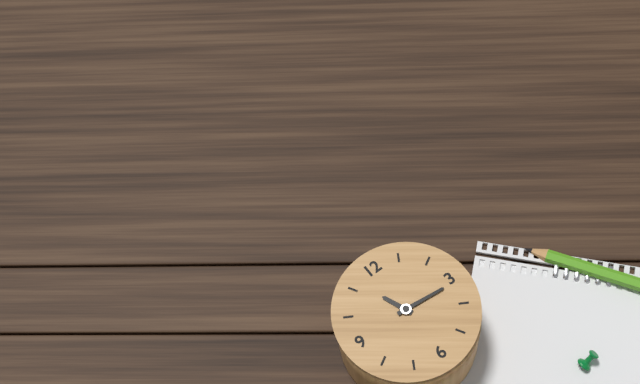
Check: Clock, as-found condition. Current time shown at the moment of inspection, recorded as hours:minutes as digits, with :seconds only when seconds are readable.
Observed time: 11:16
